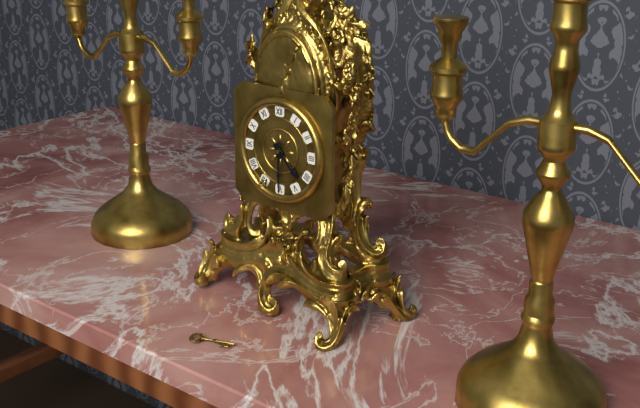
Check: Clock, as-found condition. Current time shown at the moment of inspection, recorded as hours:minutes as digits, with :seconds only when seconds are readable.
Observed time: 4:30
